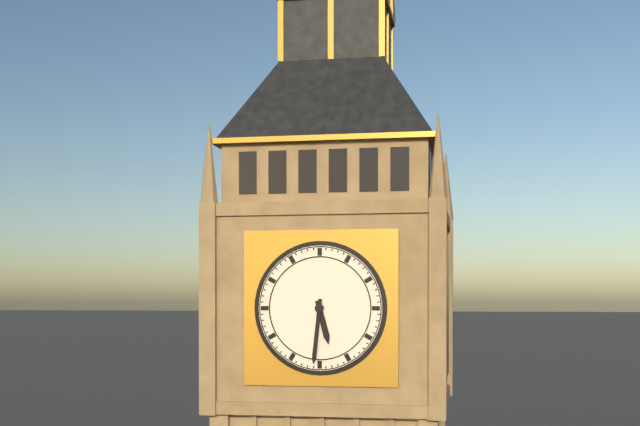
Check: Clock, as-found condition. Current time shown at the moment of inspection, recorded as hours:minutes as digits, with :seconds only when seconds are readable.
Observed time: 5:31
